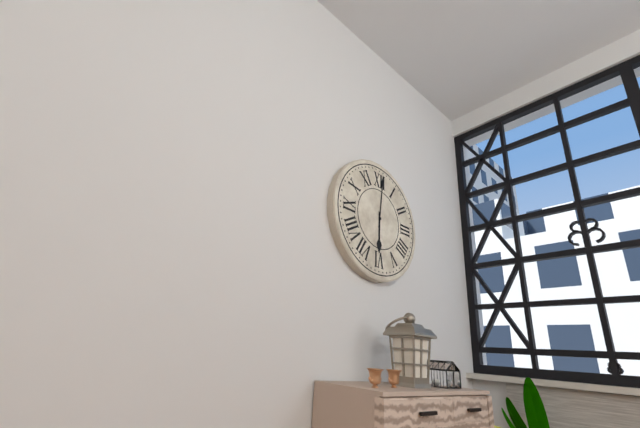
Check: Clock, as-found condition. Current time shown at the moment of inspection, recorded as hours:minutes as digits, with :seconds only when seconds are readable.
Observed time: 6:01
